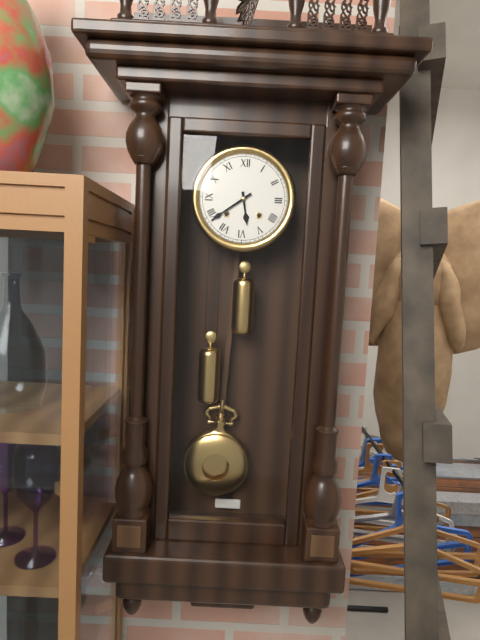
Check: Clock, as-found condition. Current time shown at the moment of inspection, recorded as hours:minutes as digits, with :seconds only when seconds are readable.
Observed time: 5:39
